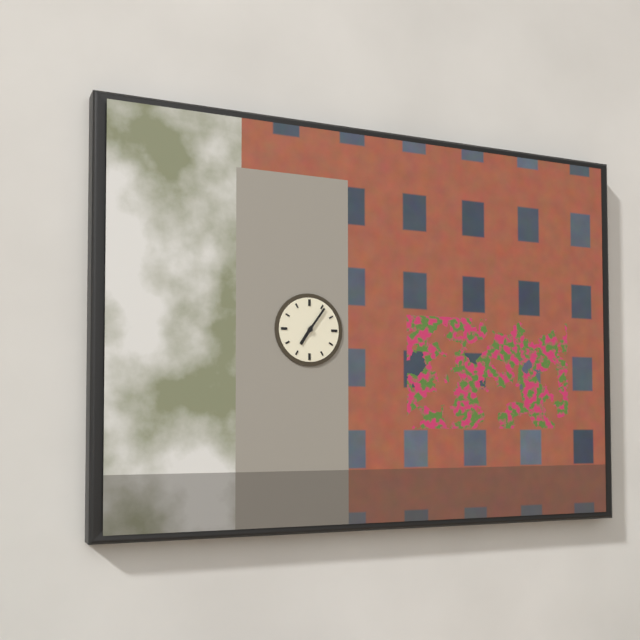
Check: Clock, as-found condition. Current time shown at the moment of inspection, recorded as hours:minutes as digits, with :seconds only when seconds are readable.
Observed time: 7:06
